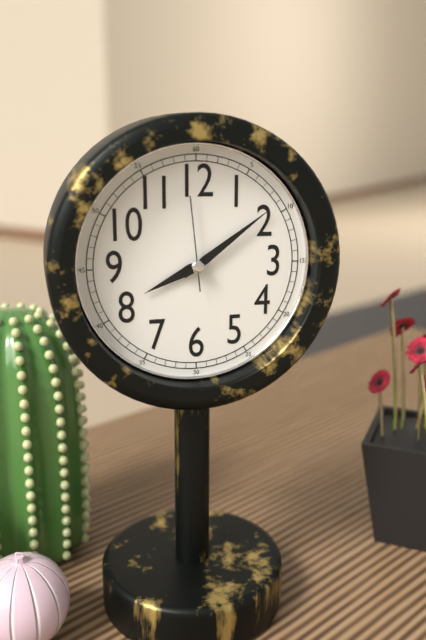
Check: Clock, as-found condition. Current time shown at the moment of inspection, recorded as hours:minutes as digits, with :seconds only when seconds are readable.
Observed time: 8:09:59
